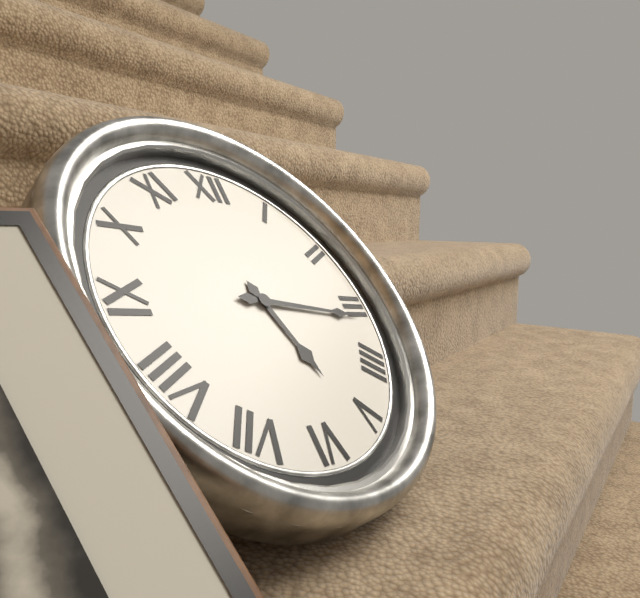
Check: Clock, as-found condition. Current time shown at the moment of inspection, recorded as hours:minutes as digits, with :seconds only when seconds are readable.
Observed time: 5:16
